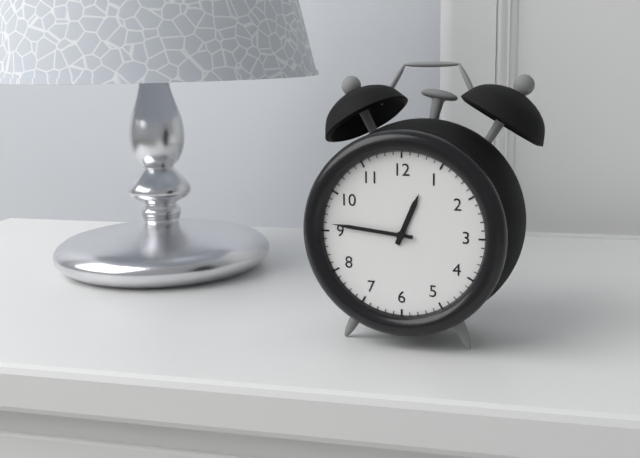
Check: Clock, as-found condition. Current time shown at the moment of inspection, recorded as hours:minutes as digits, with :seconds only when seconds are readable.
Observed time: 12:46
